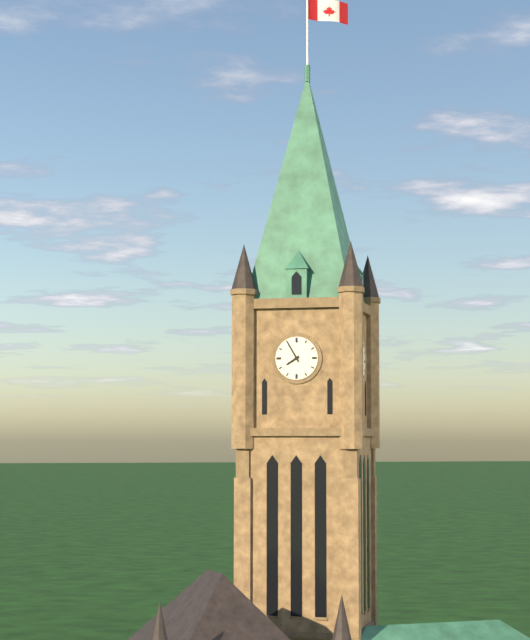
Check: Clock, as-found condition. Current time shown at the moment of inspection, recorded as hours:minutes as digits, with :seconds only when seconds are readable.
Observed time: 7:55
